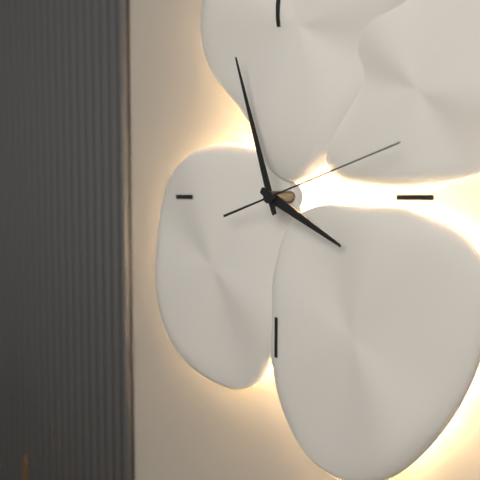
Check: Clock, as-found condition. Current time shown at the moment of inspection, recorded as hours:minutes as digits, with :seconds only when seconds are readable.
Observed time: 3:57:12
